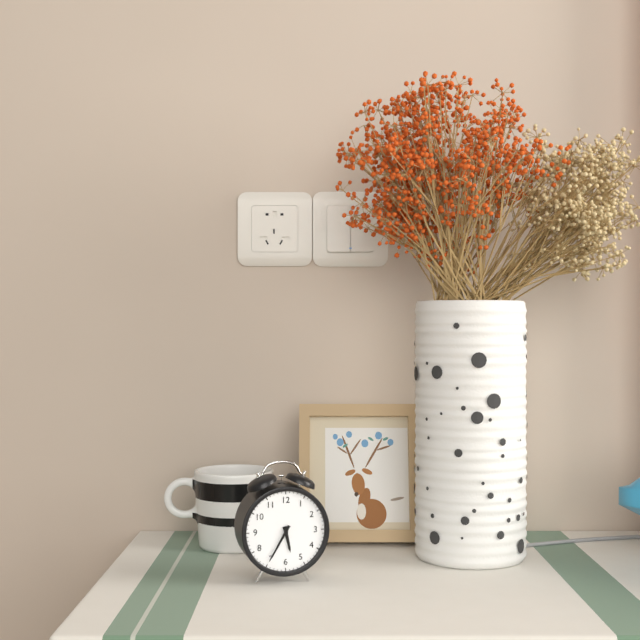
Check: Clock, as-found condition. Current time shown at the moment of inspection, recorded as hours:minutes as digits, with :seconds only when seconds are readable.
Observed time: 5:35
